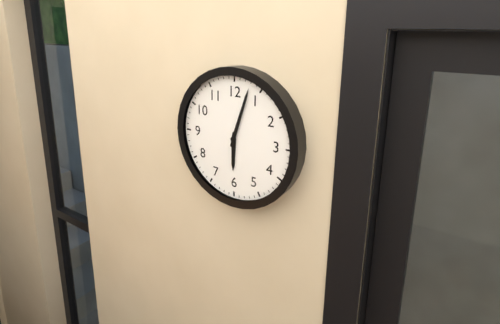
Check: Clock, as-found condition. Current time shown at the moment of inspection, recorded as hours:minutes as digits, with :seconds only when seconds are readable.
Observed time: 6:03
